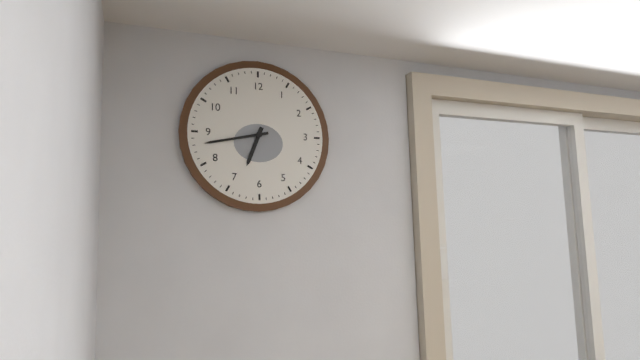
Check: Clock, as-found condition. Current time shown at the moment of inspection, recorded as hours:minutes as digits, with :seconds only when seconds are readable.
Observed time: 6:43
